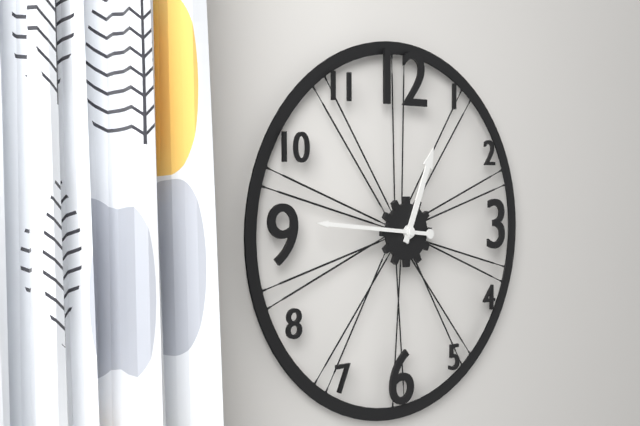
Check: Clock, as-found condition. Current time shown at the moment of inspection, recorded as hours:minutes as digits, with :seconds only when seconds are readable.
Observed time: 12:46
